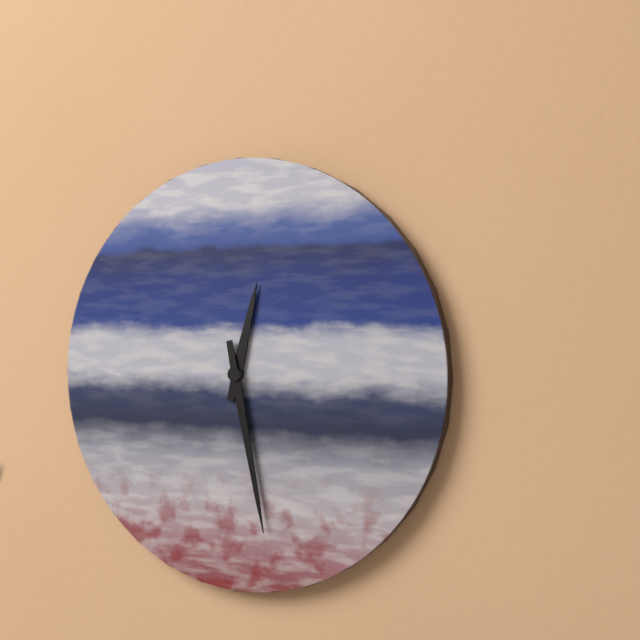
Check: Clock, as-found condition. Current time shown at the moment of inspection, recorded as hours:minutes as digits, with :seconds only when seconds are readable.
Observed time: 12:28
